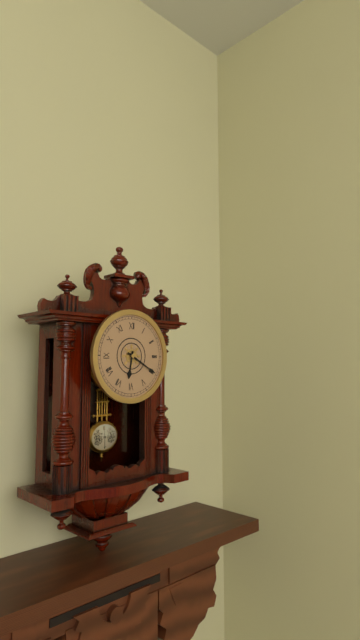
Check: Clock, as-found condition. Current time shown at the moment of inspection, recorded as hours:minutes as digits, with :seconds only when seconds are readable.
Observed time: 6:20
